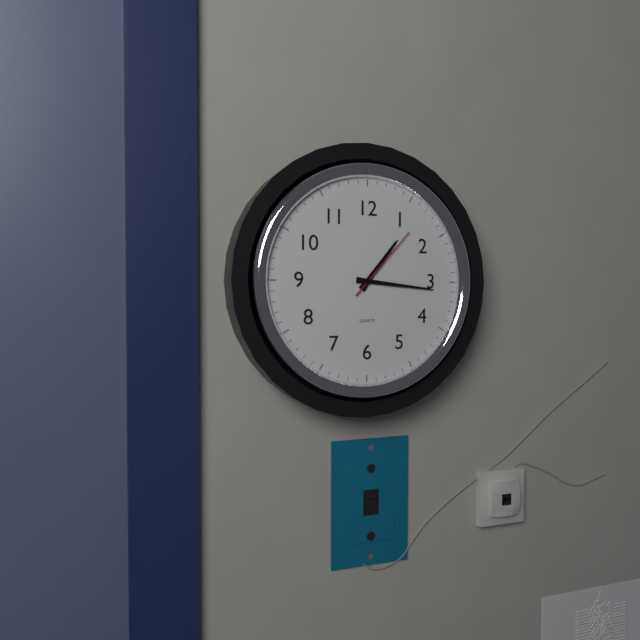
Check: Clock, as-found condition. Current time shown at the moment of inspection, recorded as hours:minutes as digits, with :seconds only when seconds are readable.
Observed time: 1:16:07
